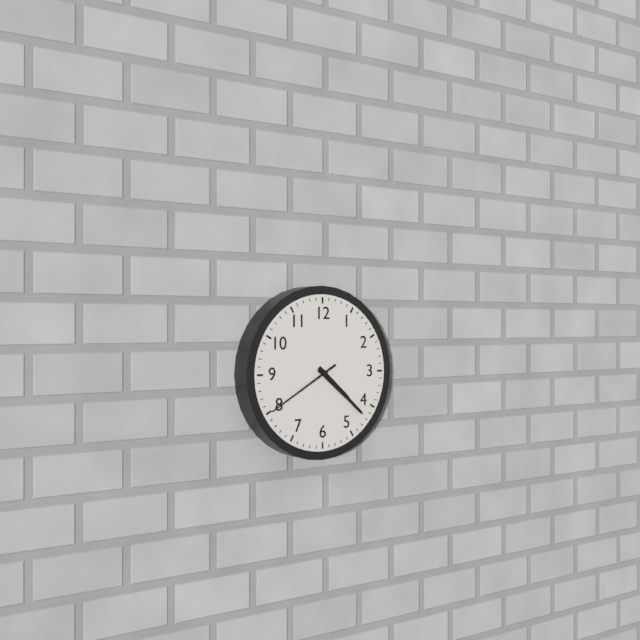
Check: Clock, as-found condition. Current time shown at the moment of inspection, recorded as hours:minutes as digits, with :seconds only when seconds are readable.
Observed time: 4:22:40
